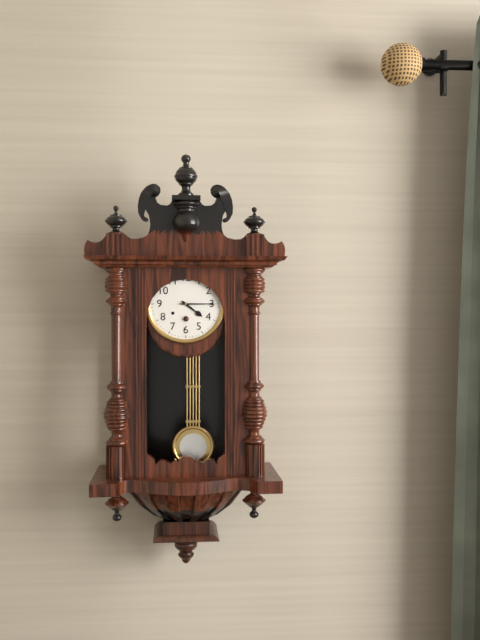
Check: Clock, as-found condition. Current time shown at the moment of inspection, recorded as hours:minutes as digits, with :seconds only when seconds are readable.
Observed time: 4:15
